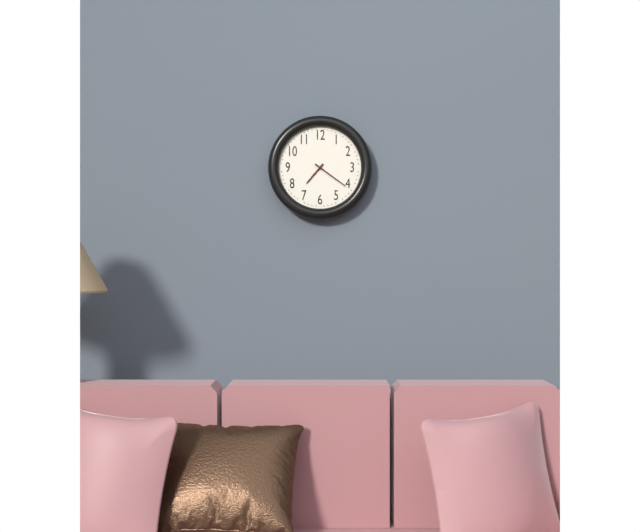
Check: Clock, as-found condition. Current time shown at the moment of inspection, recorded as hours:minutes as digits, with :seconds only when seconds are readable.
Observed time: 7:21
